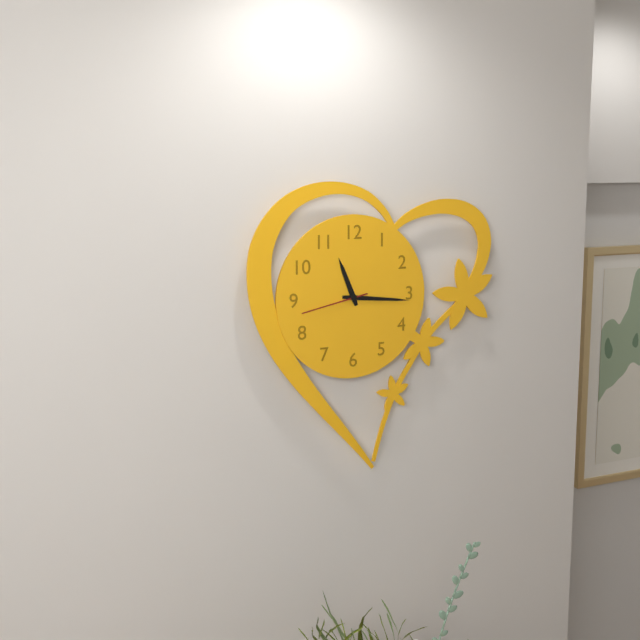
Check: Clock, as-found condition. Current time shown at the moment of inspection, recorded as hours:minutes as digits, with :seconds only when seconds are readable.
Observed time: 11:16:43
